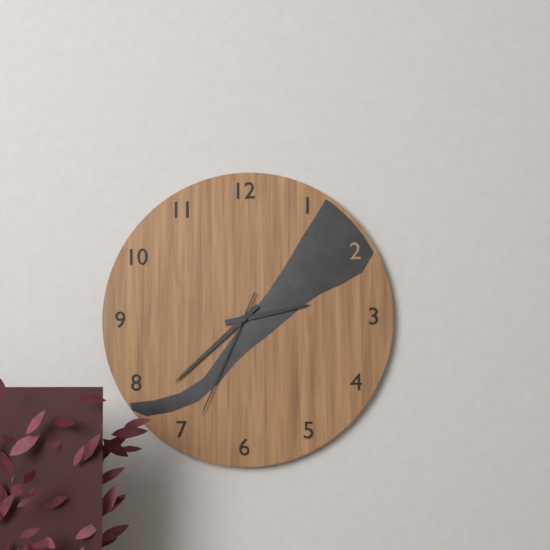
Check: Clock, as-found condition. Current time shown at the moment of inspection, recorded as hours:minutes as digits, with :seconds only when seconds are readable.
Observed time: 2:38:34
